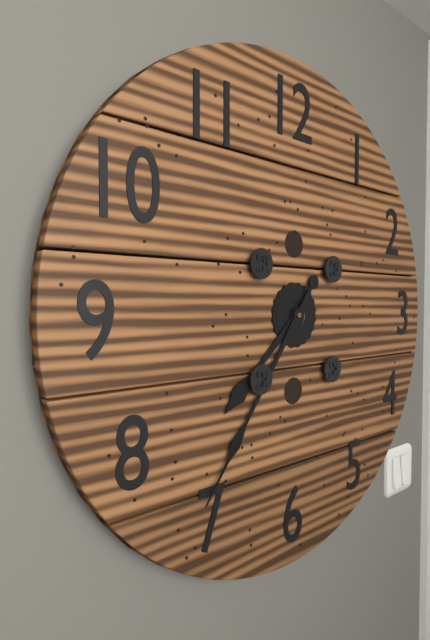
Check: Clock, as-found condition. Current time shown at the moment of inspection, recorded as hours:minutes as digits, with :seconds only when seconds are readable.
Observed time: 7:36
